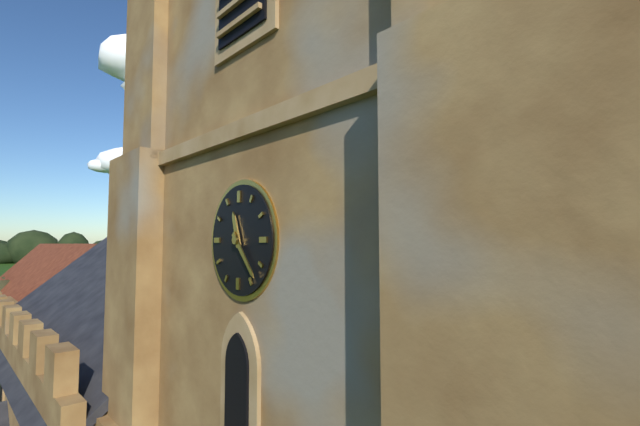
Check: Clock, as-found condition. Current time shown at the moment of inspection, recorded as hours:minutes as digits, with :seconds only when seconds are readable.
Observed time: 11:23
